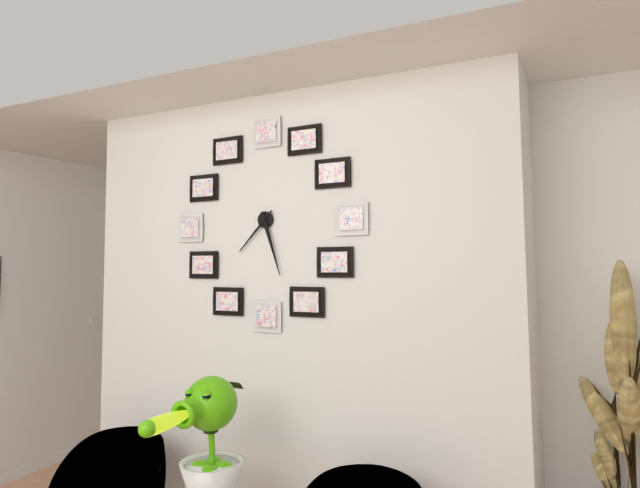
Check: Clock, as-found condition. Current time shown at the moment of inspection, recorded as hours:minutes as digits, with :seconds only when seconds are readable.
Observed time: 7:27
